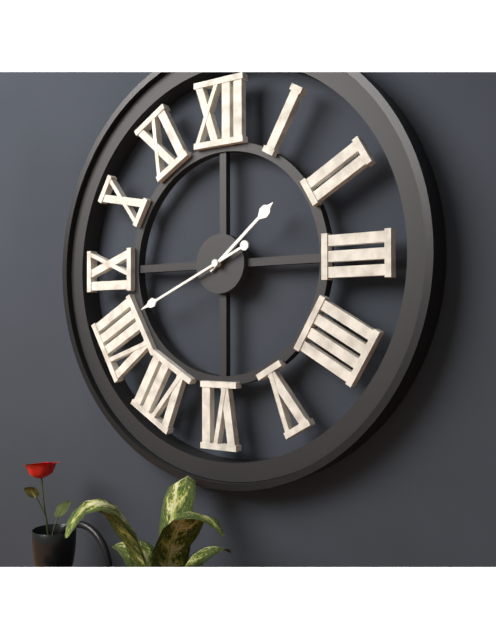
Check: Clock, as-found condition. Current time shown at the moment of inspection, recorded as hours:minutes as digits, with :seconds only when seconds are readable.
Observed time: 1:41
